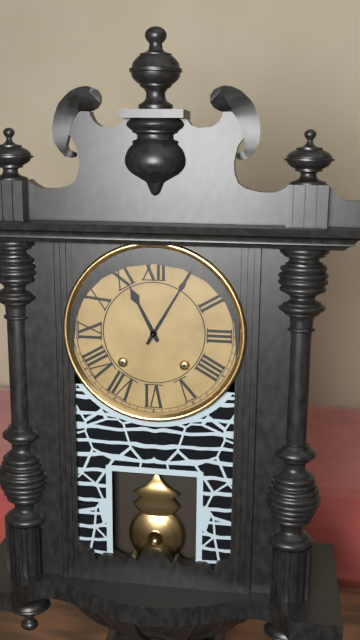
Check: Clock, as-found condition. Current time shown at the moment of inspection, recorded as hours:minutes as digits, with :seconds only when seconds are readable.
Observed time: 11:05
